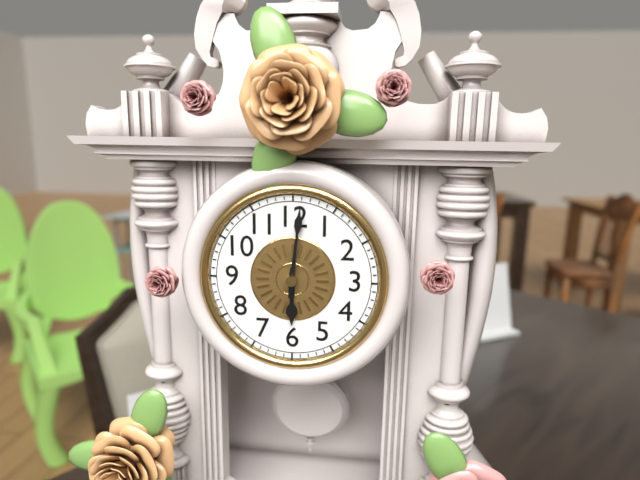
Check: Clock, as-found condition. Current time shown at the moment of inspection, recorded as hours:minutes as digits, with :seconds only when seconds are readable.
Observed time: 6:01
